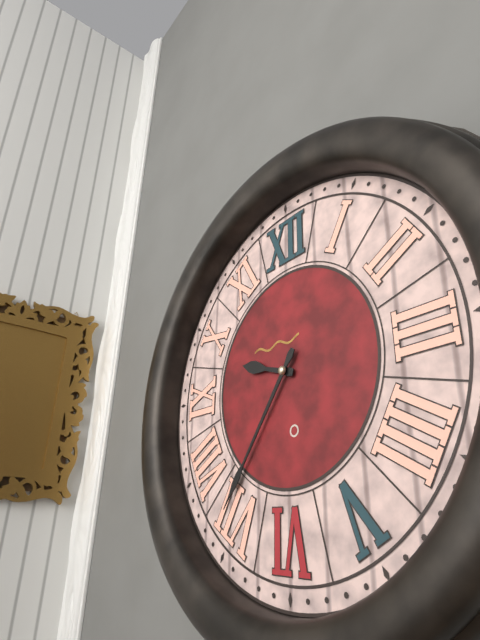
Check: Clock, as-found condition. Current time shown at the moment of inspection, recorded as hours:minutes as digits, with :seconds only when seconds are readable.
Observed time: 9:36
